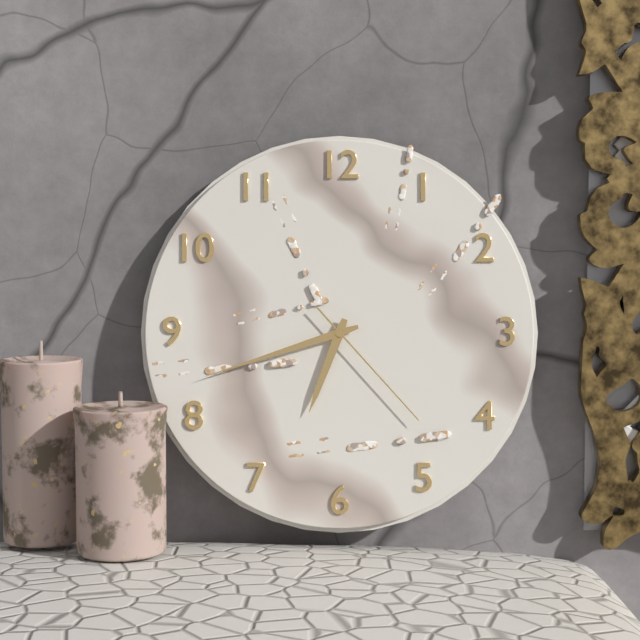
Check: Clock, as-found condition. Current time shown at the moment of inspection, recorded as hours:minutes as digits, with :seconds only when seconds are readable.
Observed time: 6:42:23
